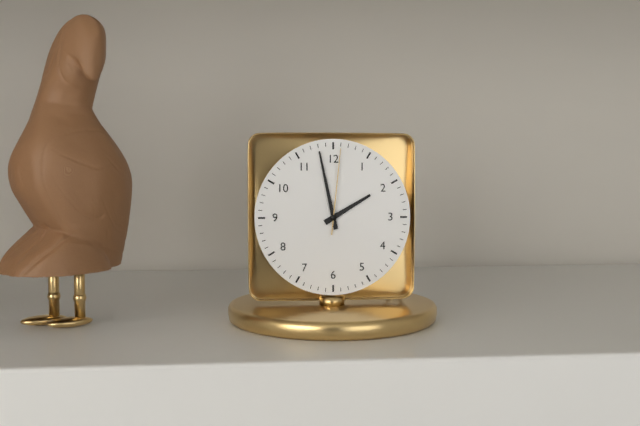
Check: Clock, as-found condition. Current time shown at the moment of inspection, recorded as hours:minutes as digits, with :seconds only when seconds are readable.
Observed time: 1:58:01
